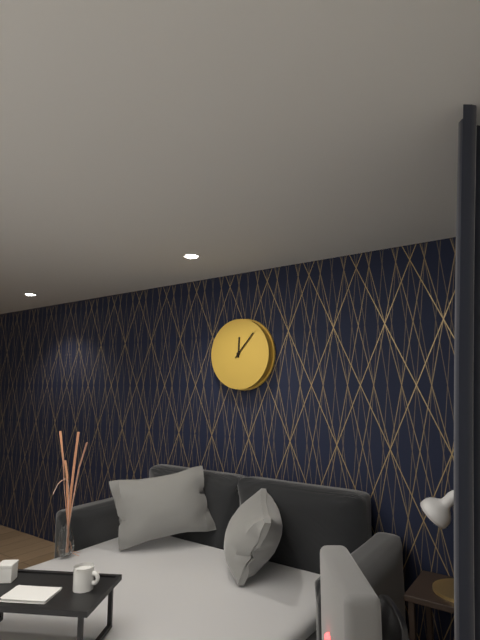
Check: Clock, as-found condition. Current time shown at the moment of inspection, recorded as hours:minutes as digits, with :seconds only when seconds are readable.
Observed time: 12:07
